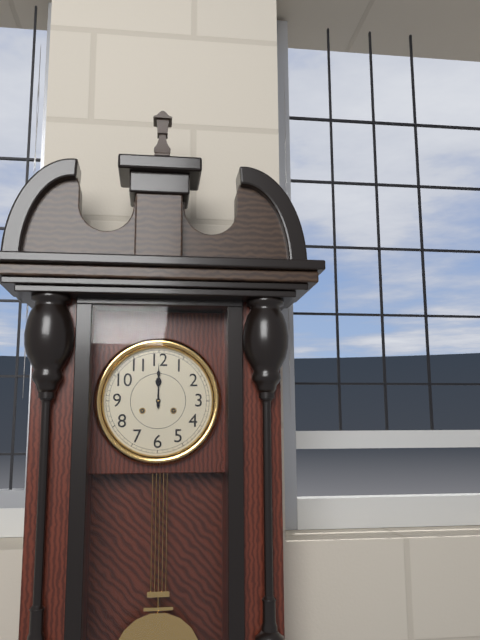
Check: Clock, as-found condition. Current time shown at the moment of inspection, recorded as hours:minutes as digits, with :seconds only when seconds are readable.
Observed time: 12:00
